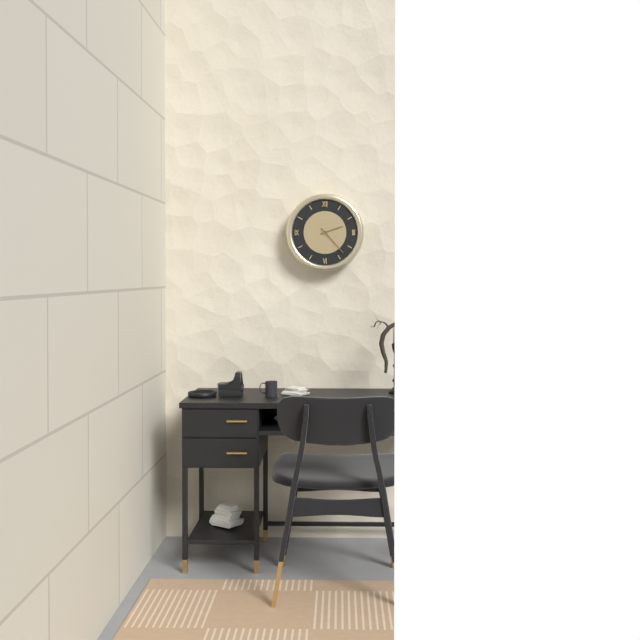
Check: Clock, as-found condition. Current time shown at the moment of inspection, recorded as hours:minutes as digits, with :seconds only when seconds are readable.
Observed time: 2:23
